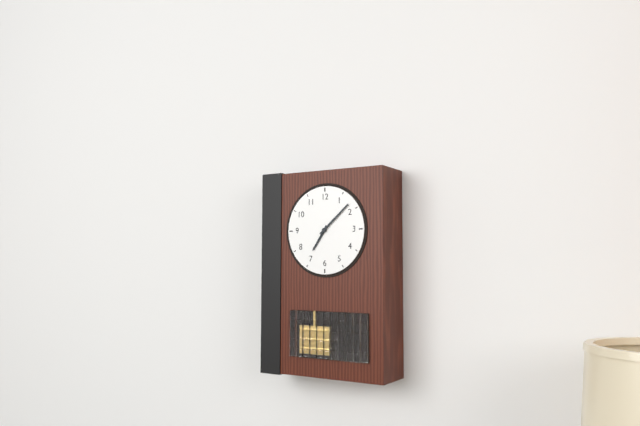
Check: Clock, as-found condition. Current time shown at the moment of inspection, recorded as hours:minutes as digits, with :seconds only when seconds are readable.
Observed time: 7:08
